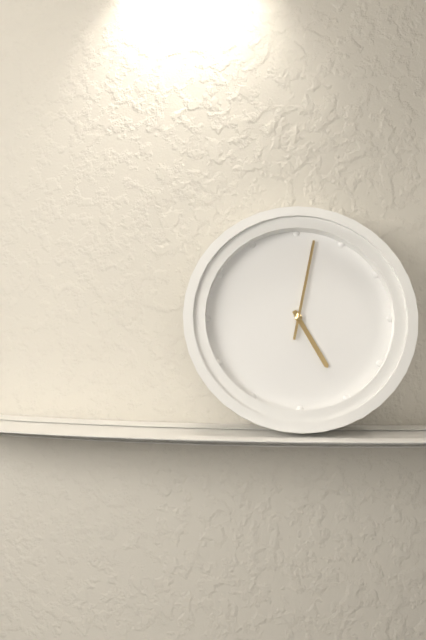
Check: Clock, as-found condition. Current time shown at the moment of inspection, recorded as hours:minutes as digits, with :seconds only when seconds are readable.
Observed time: 5:02
